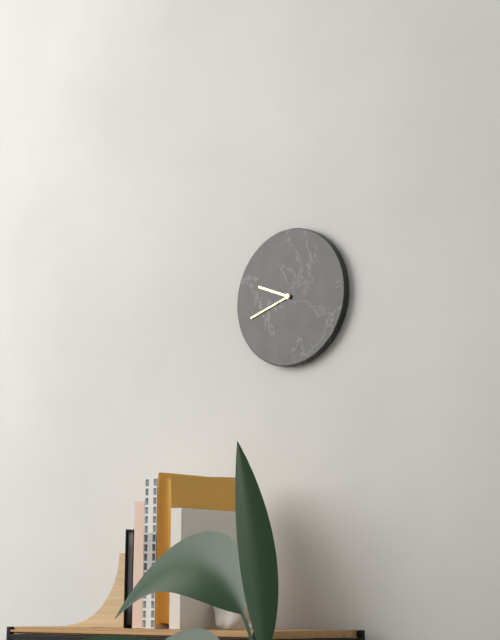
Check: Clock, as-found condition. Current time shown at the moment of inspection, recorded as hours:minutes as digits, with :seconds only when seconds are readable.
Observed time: 9:42
